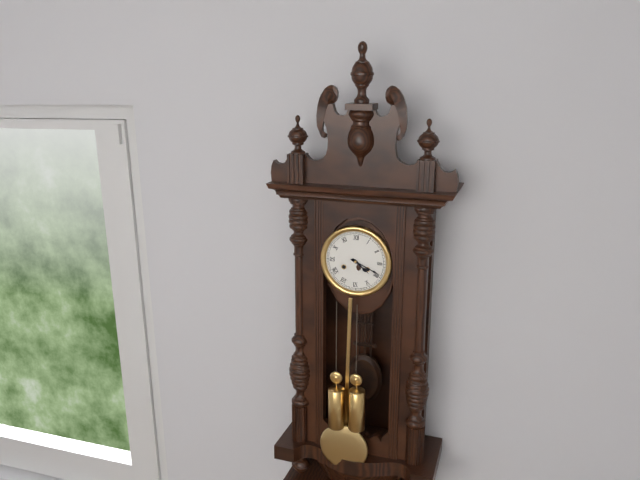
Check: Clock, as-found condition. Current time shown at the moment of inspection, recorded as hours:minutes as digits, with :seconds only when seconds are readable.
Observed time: 4:19
